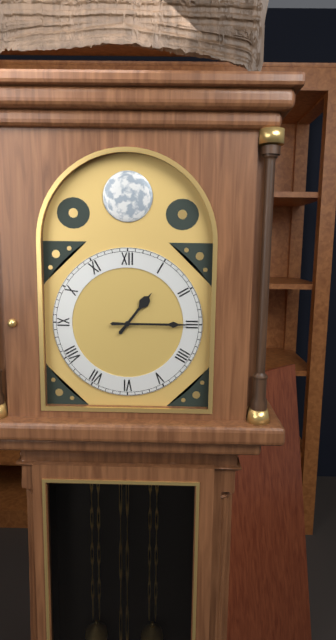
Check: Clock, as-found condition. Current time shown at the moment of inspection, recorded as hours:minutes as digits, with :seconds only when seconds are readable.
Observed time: 1:15
